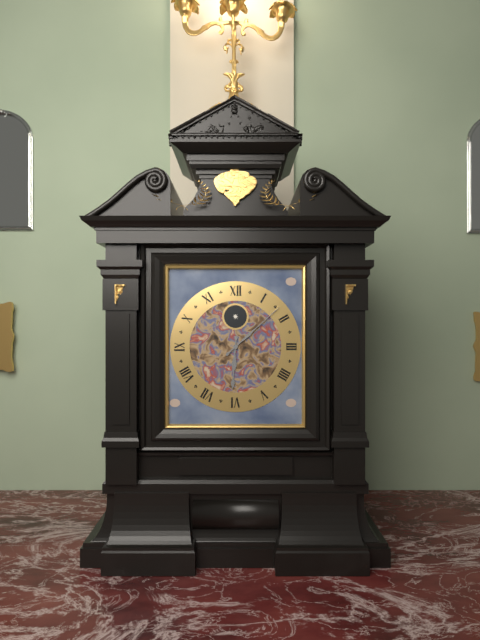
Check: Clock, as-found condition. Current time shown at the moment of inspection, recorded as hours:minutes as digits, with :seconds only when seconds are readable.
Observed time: 6:08
